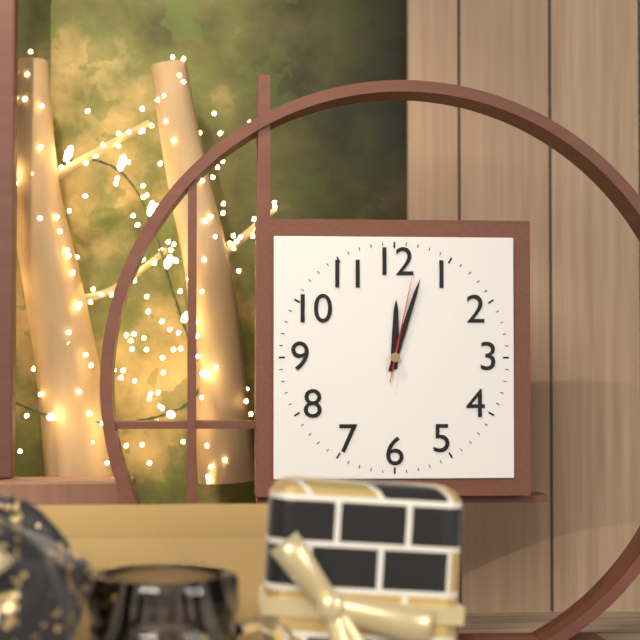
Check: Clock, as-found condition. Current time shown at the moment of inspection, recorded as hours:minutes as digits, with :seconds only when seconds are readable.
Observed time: 12:03:02
